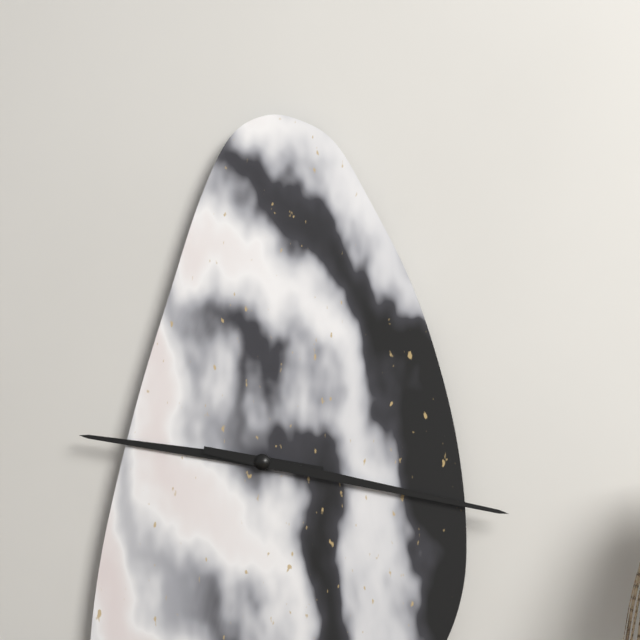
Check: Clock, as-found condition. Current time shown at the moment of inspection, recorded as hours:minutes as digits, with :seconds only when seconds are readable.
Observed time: 9:17
